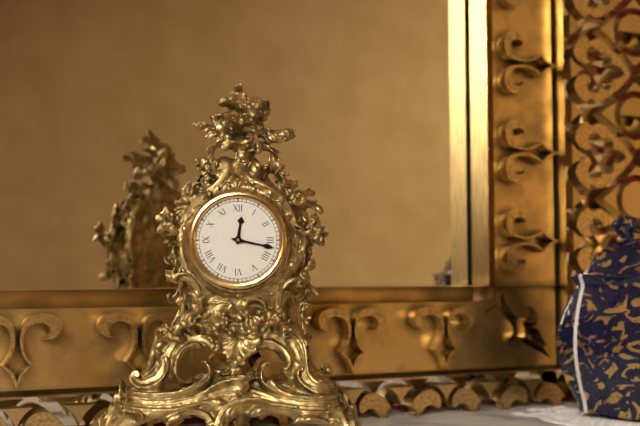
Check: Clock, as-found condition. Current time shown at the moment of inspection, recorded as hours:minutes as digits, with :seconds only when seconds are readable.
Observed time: 12:17
